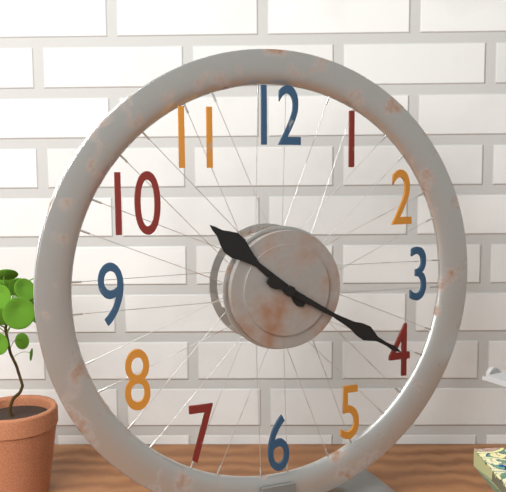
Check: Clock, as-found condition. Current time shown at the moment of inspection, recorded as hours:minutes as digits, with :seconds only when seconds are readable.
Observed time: 10:20
